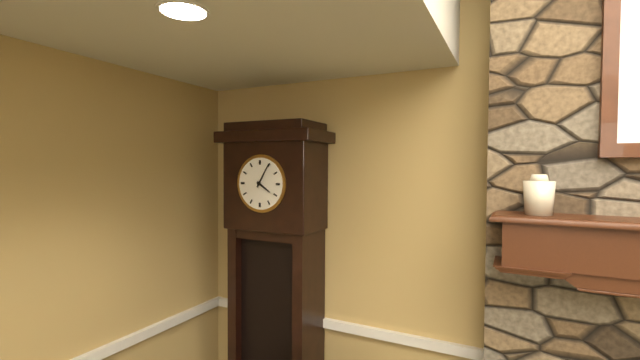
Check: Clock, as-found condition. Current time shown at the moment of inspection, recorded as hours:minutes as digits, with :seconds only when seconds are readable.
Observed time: 4:05
